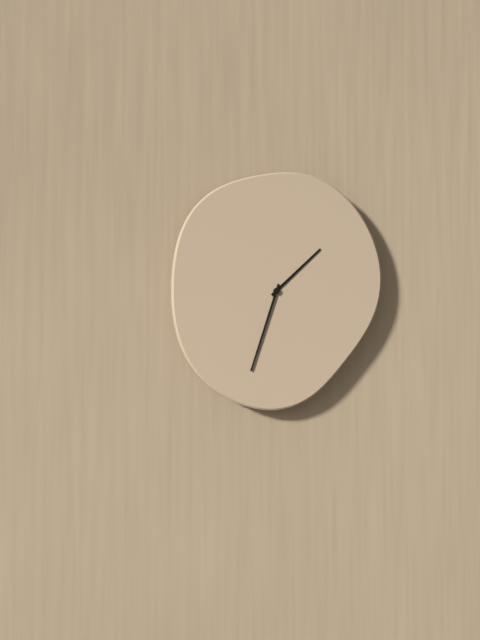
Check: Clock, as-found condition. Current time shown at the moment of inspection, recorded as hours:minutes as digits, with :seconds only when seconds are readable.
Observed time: 1:33
